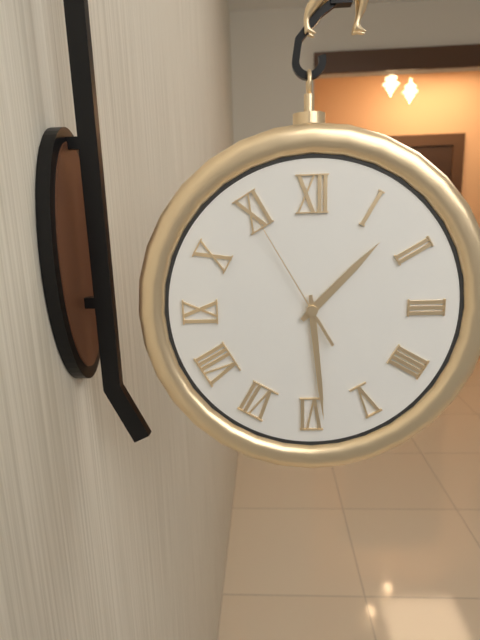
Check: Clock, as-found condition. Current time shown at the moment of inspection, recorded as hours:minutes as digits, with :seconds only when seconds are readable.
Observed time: 1:29:55
